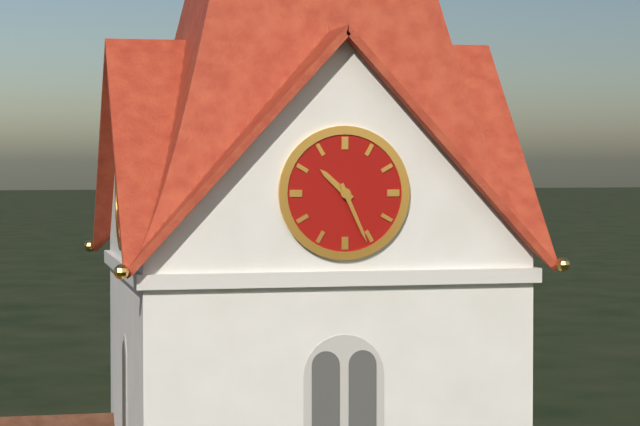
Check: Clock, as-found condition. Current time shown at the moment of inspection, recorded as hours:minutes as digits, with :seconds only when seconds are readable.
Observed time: 10:26
